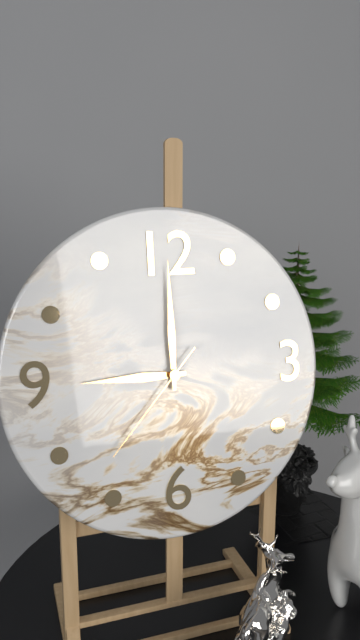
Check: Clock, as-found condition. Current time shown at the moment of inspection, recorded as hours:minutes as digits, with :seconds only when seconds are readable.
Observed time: 9:00:37
